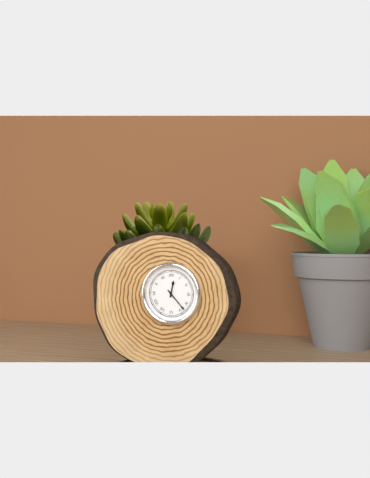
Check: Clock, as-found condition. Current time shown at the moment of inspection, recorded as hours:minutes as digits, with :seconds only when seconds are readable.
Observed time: 12:23
